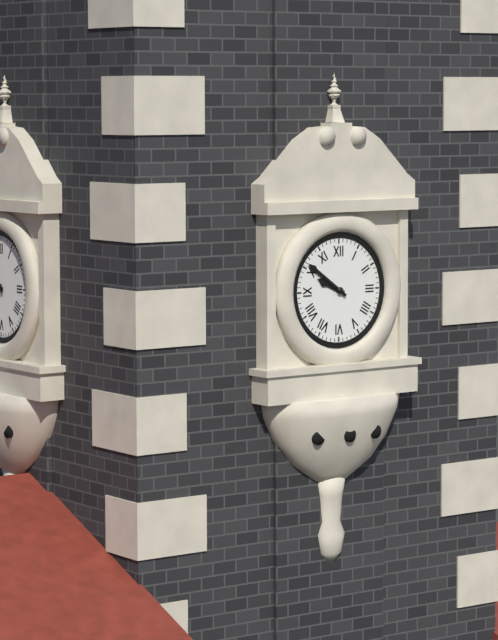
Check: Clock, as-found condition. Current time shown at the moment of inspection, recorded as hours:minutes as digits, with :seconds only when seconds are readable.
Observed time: 9:51
